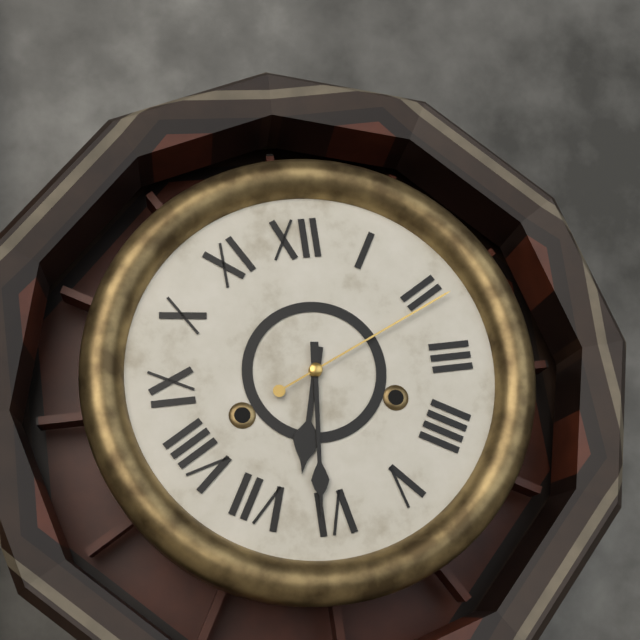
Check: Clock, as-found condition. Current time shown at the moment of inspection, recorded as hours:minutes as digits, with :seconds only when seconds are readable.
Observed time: 6:31:11
